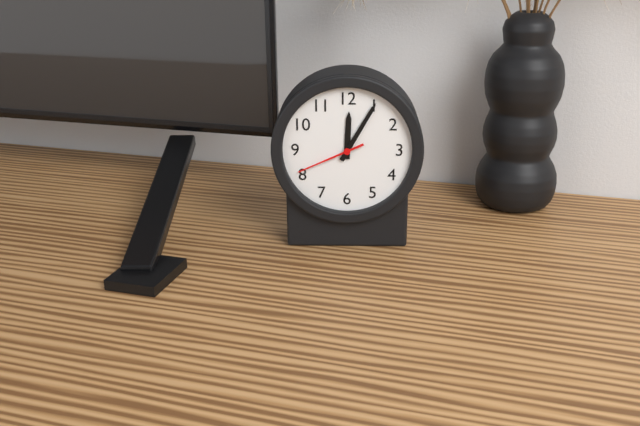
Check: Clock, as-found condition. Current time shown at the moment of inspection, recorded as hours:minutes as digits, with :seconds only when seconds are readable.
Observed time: 12:05:41
